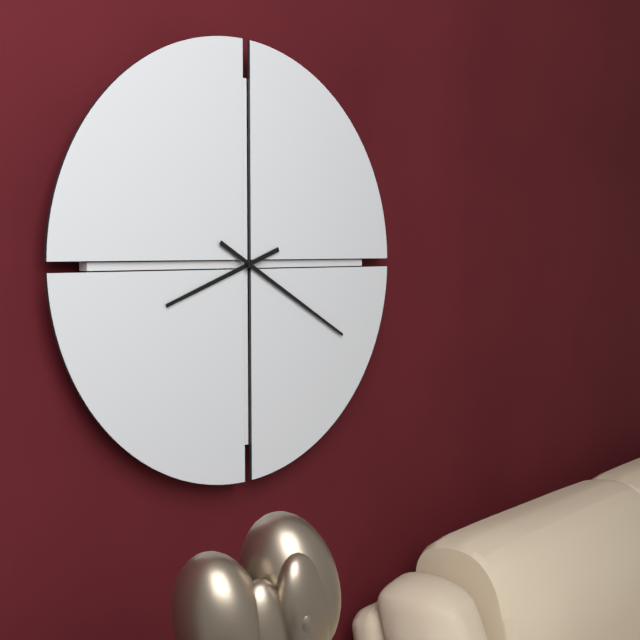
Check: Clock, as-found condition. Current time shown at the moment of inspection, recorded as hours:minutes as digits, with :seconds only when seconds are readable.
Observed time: 8:20
